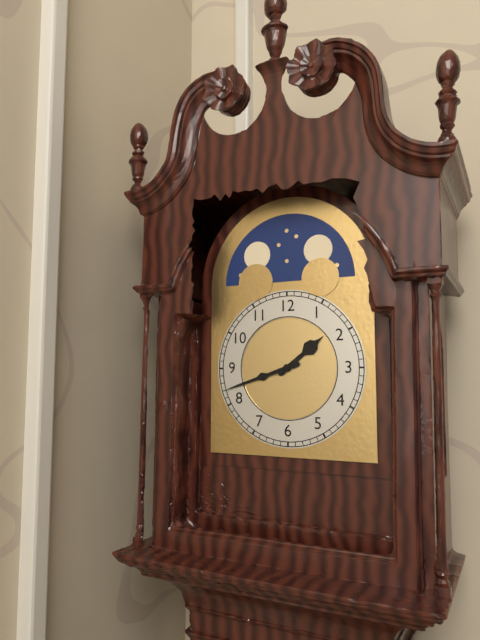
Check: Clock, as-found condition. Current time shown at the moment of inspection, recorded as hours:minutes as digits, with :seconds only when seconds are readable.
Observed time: 1:42
